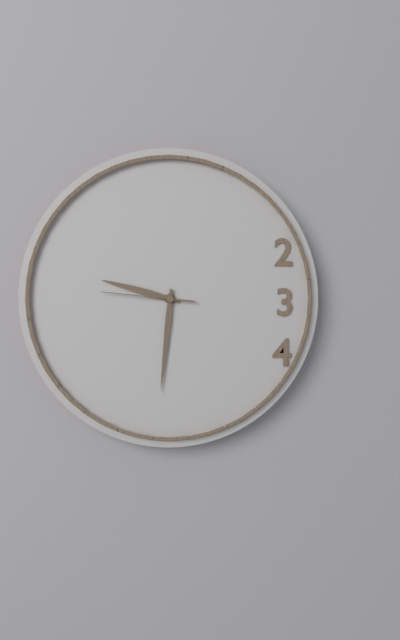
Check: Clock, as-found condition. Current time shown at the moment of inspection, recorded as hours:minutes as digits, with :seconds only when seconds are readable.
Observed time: 9:31:46
